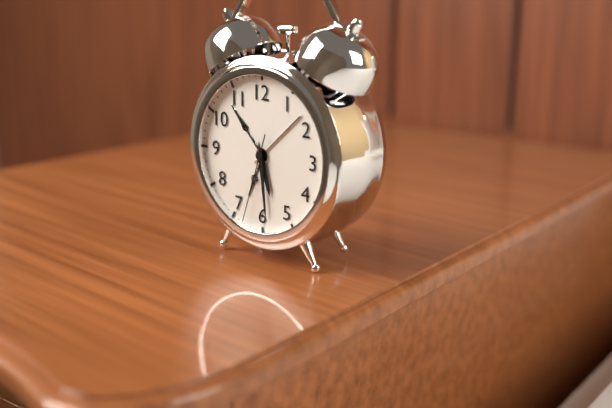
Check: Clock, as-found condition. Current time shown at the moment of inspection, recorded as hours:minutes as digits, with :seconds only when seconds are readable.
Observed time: 5:29:33
